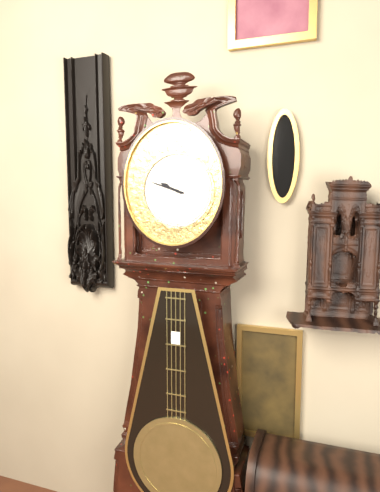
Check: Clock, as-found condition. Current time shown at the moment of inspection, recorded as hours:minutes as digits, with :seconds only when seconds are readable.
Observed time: 9:48
